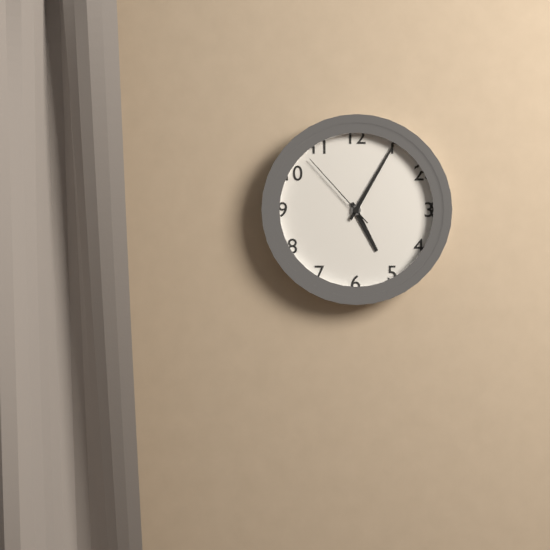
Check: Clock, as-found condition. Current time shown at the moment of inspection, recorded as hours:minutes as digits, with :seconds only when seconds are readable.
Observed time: 5:05:53
